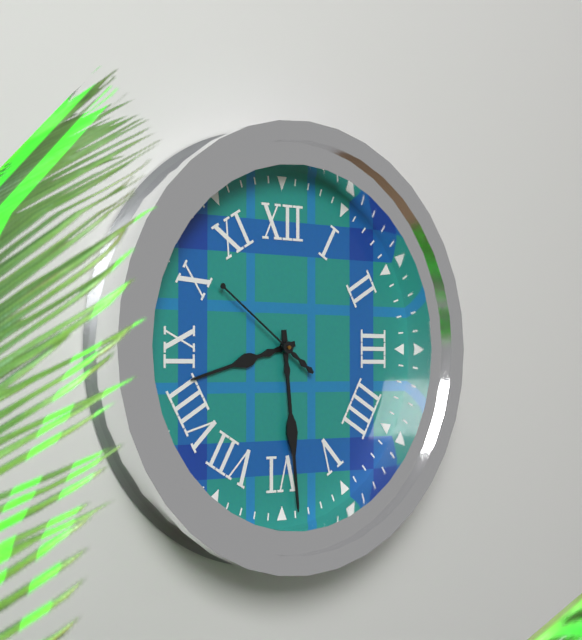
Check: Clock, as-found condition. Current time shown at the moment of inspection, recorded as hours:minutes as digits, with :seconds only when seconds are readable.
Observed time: 8:29:51
